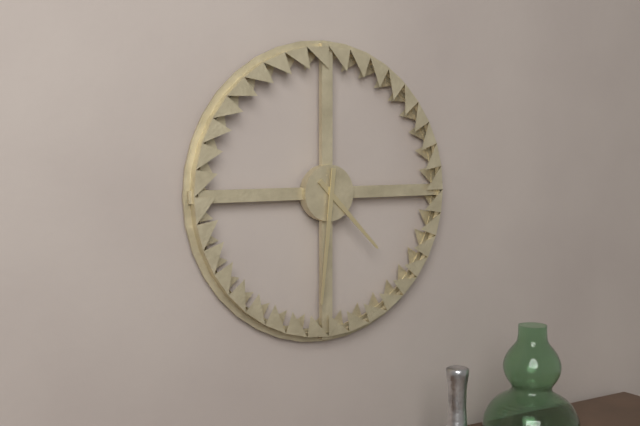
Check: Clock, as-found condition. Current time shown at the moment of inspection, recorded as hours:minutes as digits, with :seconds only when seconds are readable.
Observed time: 4:31
